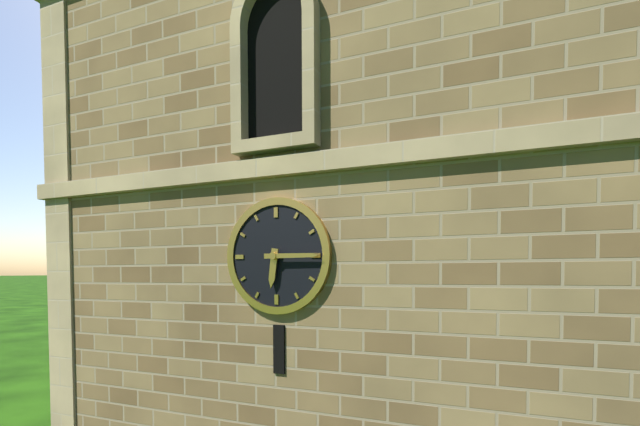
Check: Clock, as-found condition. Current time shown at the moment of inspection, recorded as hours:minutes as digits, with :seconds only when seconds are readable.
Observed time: 6:15
